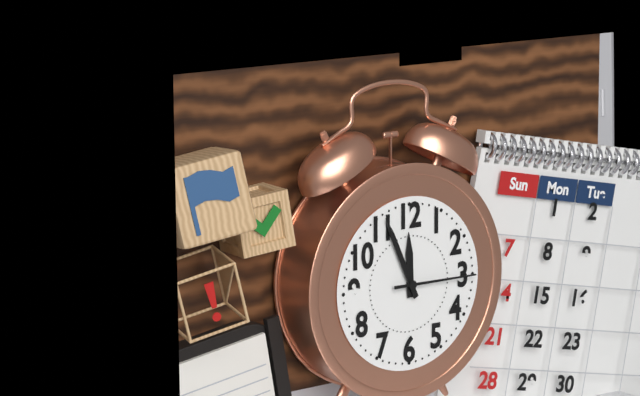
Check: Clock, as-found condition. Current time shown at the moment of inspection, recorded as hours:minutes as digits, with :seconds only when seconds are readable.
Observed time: 11:56:15
